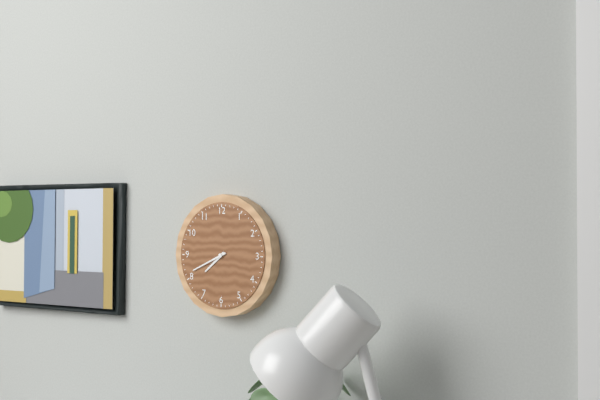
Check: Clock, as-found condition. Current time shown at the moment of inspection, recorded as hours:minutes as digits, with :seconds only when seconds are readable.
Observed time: 7:41
